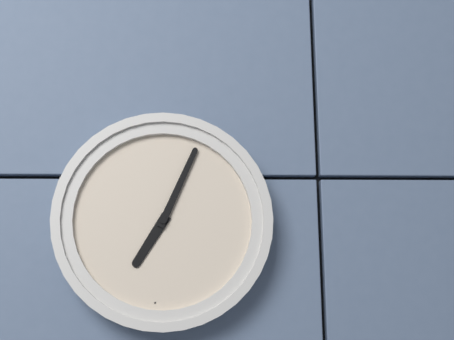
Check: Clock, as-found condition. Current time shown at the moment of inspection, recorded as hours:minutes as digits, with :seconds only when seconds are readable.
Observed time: 7:04
